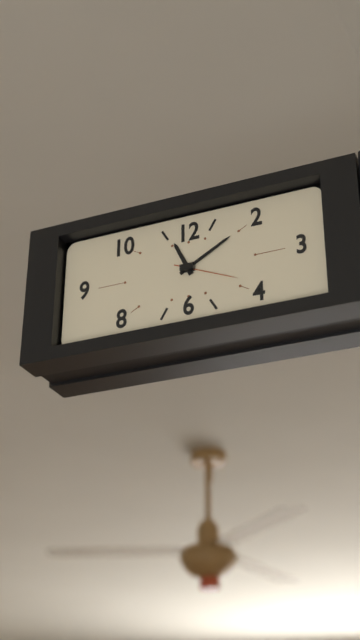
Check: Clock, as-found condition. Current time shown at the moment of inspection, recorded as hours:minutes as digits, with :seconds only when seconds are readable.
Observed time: 11:10:19
